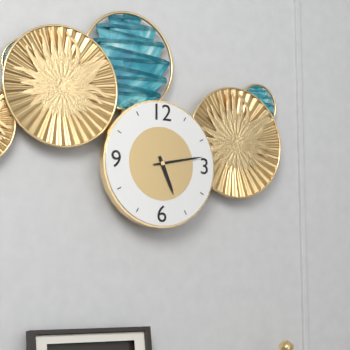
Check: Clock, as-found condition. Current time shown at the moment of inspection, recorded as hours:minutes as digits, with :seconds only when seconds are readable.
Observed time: 5:13
